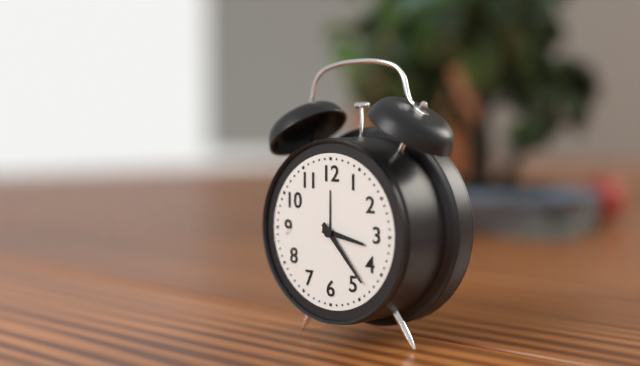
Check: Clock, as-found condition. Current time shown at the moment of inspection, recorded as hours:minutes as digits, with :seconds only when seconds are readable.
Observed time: 3:23
